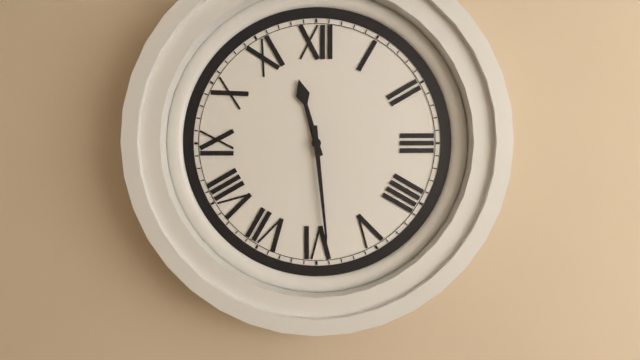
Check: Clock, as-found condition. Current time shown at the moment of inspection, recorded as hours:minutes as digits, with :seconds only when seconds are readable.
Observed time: 11:29
